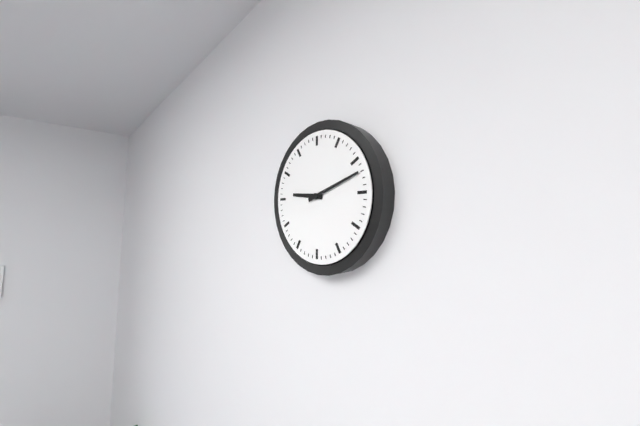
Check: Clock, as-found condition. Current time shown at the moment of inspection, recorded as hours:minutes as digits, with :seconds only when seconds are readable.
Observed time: 9:12
